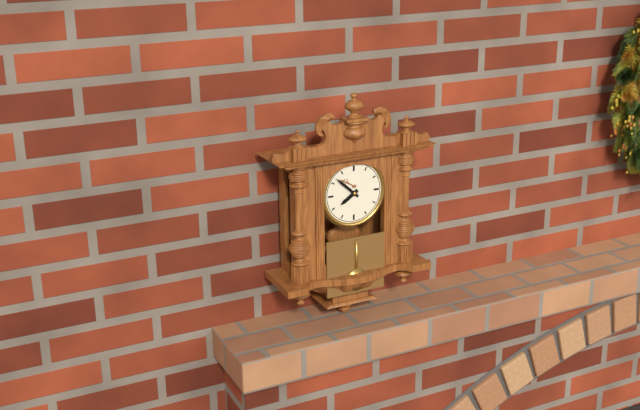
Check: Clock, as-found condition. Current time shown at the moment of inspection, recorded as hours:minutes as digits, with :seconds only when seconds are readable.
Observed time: 7:52
